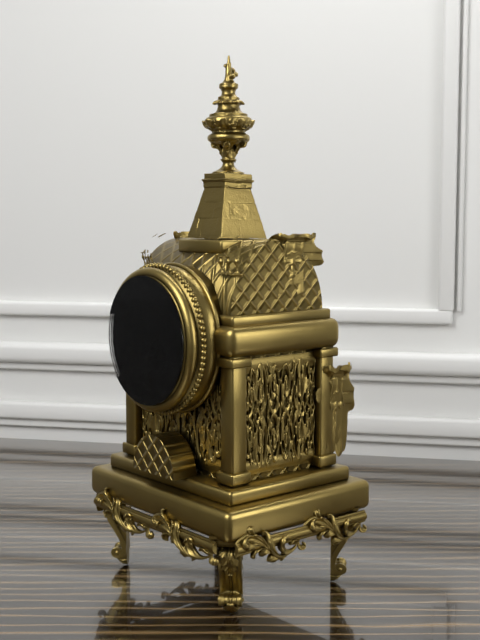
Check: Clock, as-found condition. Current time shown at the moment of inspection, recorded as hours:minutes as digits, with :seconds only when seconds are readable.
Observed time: 12:00
